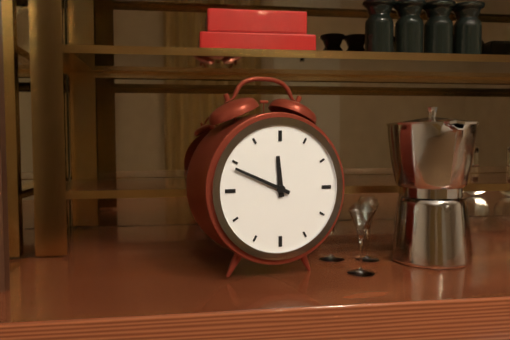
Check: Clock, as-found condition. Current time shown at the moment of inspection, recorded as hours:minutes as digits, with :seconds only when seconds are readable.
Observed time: 11:49
